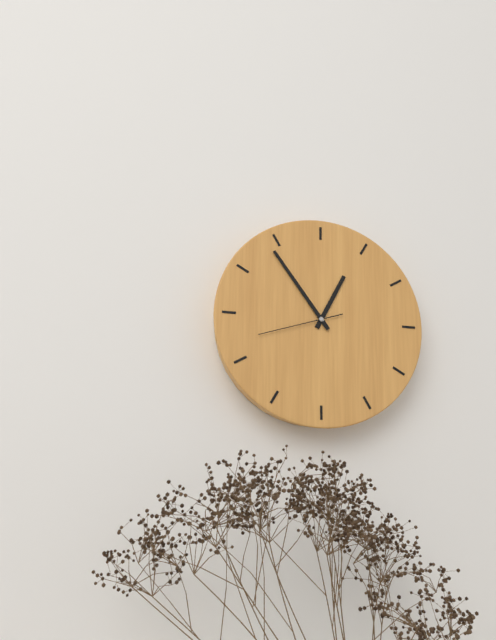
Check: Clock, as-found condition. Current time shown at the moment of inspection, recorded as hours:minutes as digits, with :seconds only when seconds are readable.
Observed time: 12:54:42
